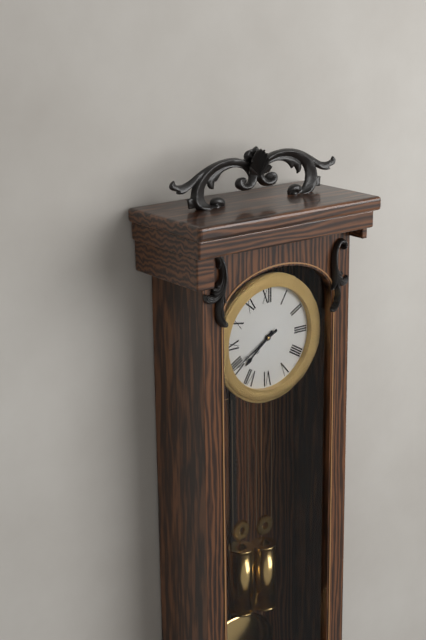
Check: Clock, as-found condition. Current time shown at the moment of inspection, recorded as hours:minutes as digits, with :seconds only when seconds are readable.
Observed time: 7:40
